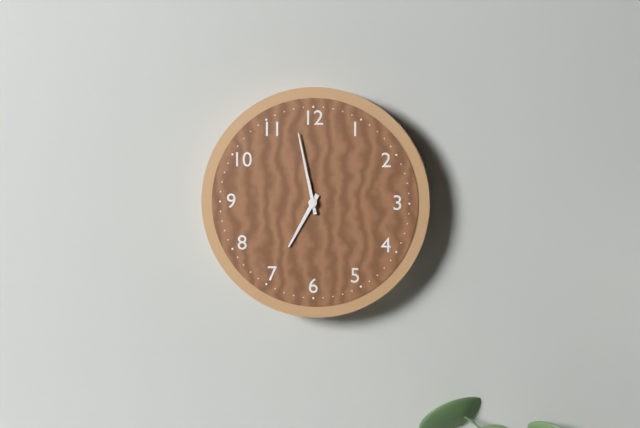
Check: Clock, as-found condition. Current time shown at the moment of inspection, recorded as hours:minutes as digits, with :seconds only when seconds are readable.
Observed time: 6:58
